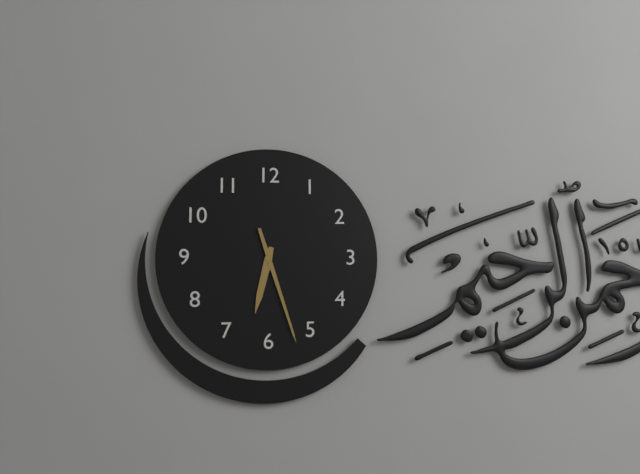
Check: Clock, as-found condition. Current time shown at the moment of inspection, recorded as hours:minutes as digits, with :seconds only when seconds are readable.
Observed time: 6:27
